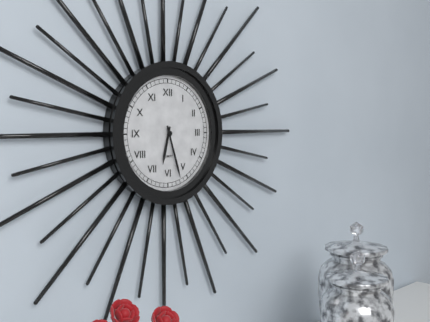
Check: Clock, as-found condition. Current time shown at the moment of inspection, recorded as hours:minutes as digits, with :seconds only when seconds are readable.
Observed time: 6:27
